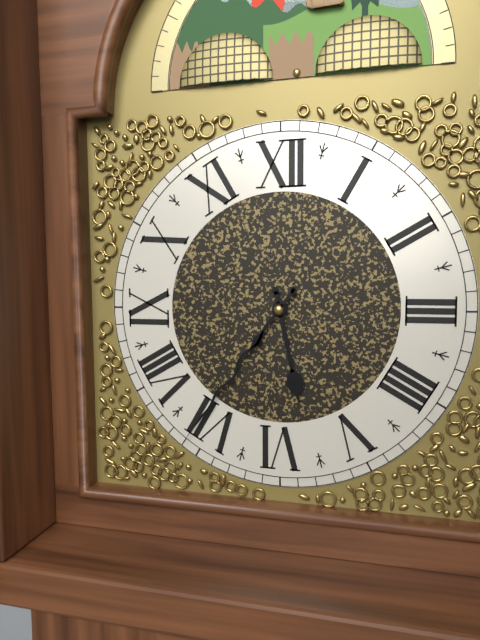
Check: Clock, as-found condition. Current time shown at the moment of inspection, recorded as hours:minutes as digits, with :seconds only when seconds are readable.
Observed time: 5:36
